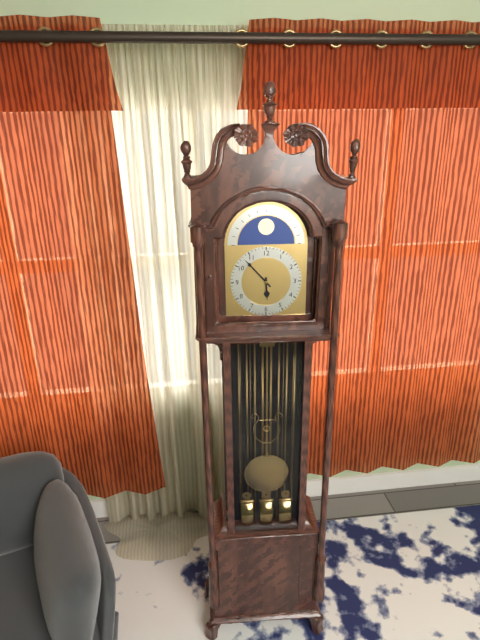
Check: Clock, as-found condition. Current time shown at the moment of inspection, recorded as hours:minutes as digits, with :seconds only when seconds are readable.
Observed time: 5:53
